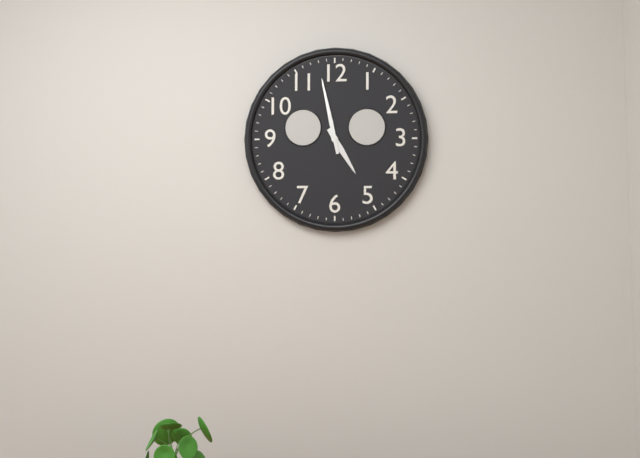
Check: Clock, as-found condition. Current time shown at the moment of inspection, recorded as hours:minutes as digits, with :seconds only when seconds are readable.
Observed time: 4:58
